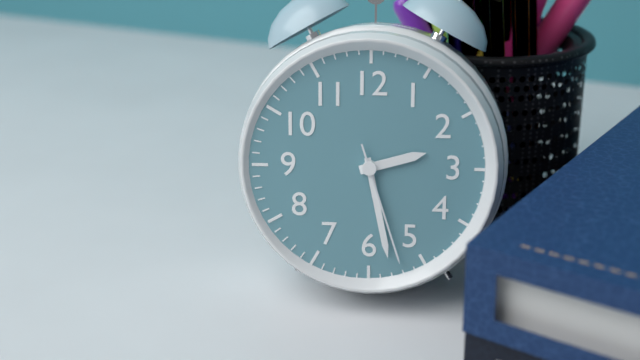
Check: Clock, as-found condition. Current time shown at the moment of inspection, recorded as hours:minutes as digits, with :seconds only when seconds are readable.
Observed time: 2:28:27
